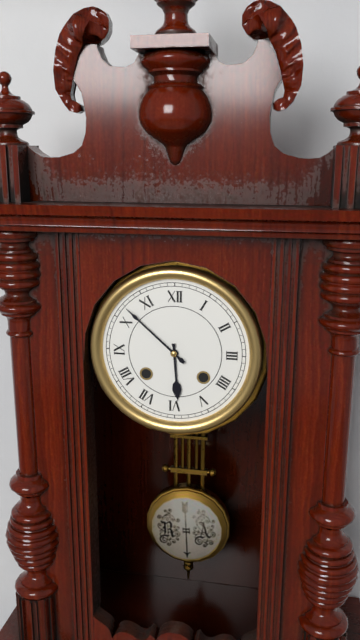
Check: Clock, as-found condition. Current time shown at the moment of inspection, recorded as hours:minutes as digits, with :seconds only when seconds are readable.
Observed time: 5:52
